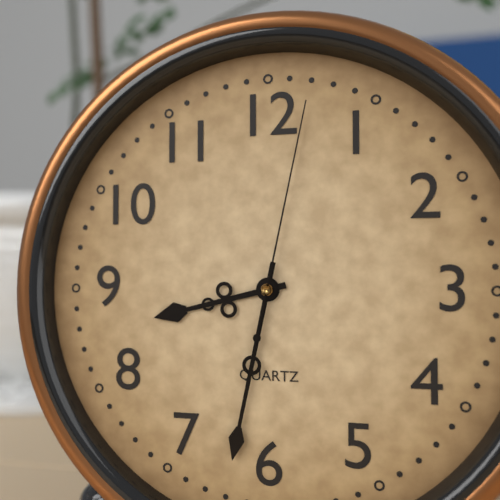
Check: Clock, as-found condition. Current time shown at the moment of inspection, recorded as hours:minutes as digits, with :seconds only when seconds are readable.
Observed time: 8:32:02
